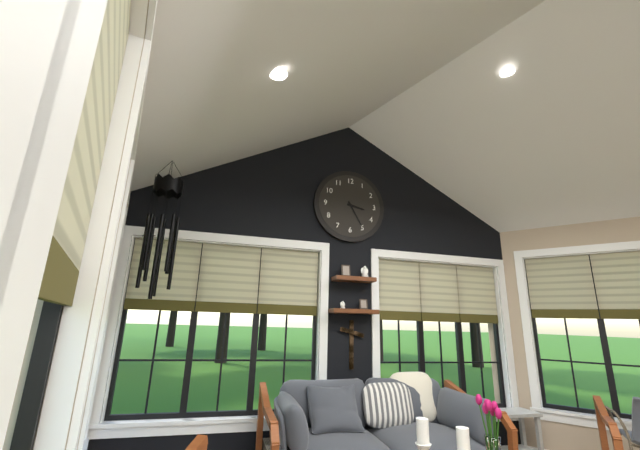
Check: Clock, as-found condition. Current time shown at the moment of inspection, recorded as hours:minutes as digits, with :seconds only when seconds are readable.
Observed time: 3:25
